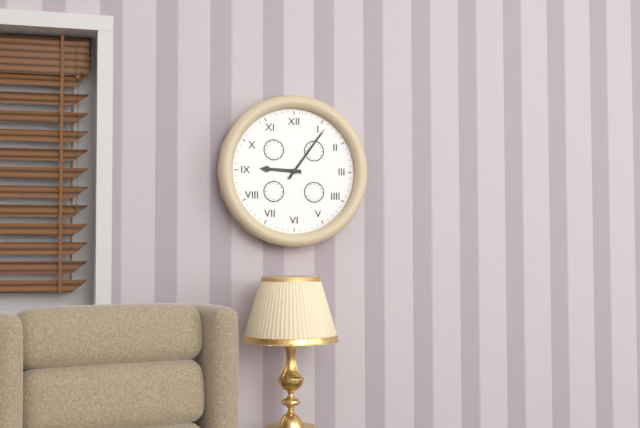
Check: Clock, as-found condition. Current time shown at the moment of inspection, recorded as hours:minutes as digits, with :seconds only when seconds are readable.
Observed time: 9:06
